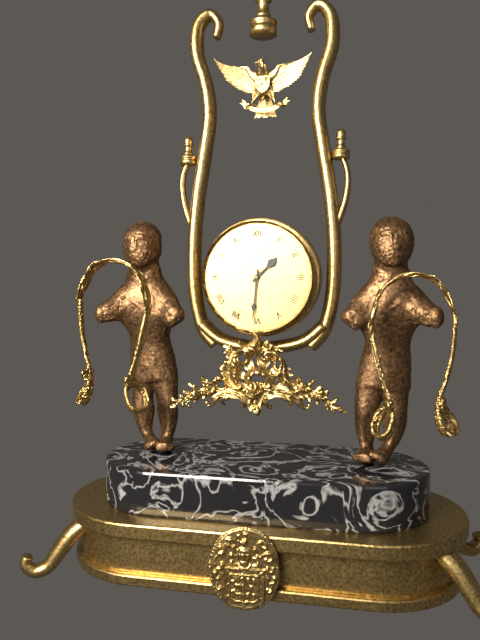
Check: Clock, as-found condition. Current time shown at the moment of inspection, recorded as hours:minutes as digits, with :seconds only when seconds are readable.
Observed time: 1:31
